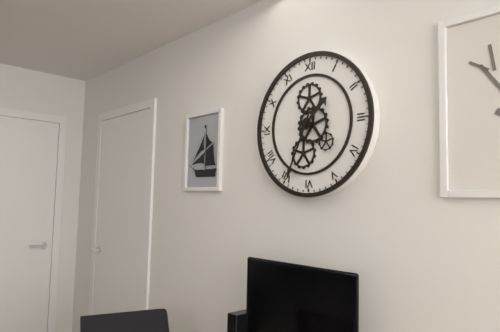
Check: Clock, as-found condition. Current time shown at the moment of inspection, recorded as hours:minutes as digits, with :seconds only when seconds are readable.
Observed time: 1:34
